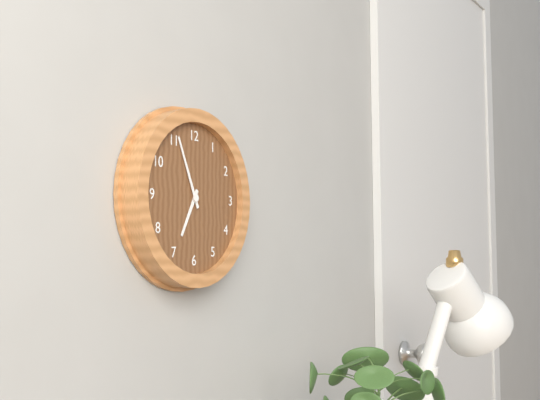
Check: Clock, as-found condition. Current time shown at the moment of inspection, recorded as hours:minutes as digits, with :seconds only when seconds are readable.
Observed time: 6:56
